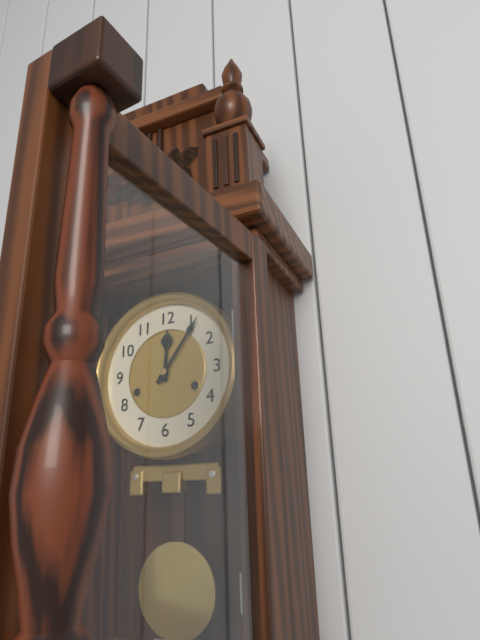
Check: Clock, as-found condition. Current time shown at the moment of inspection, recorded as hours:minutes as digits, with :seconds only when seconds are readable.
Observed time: 12:06
